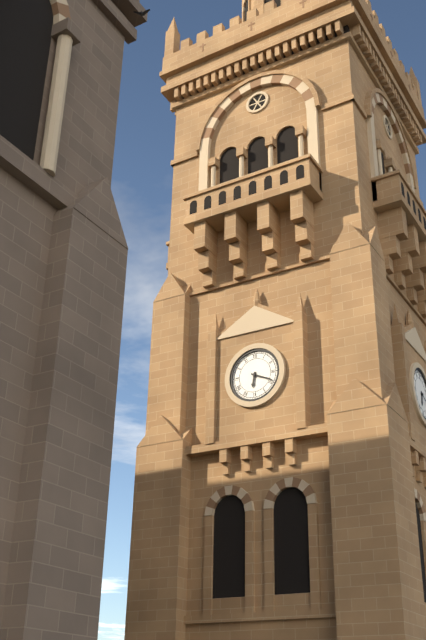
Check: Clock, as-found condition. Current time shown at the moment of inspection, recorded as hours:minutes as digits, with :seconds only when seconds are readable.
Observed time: 6:19
